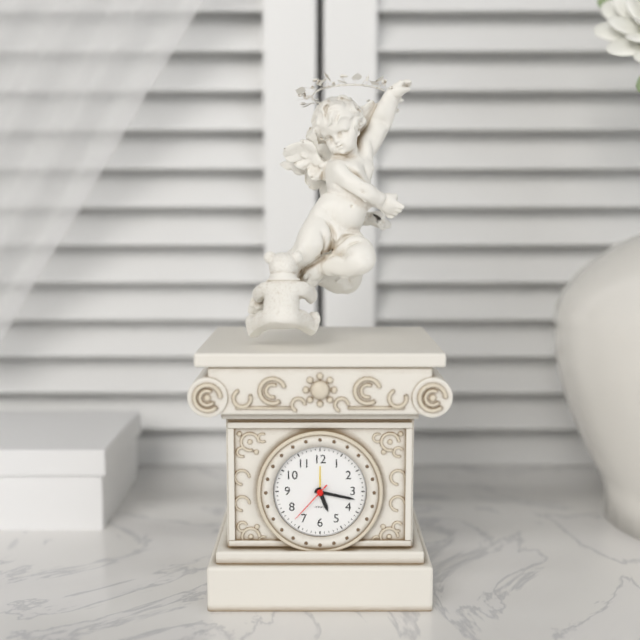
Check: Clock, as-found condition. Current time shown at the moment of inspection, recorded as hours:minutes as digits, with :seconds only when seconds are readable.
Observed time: 5:17
